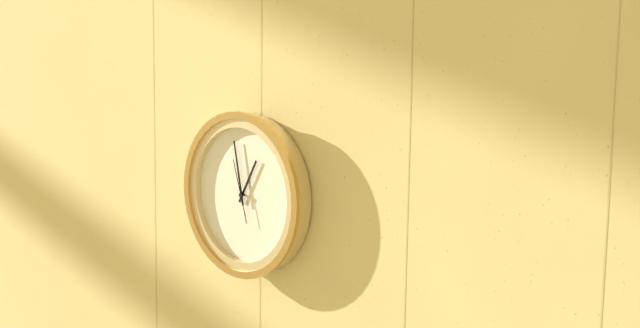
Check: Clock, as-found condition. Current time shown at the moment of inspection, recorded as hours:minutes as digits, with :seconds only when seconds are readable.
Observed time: 12:58
